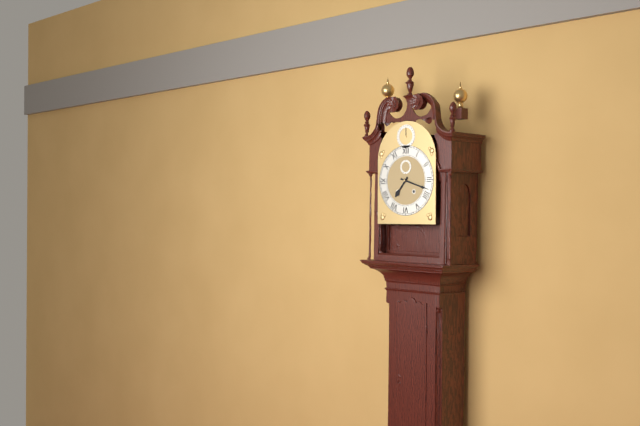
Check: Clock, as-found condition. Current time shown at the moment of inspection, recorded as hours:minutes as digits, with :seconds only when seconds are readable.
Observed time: 7:18
